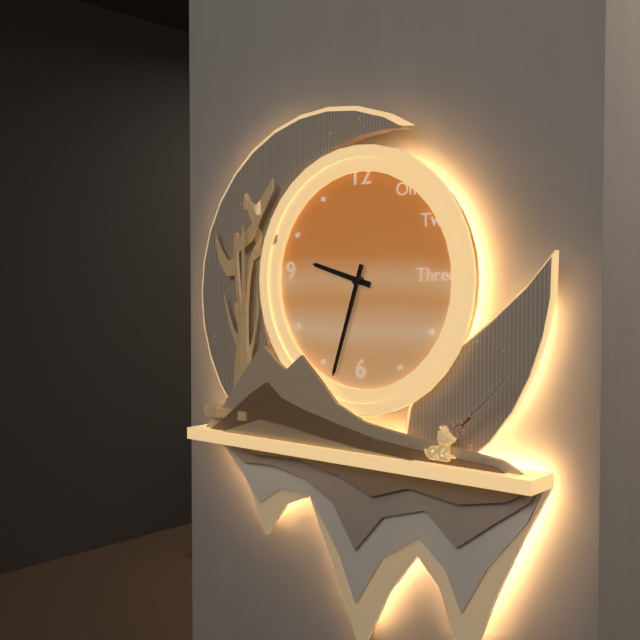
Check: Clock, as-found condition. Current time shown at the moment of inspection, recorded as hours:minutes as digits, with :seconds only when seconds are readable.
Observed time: 9:33
